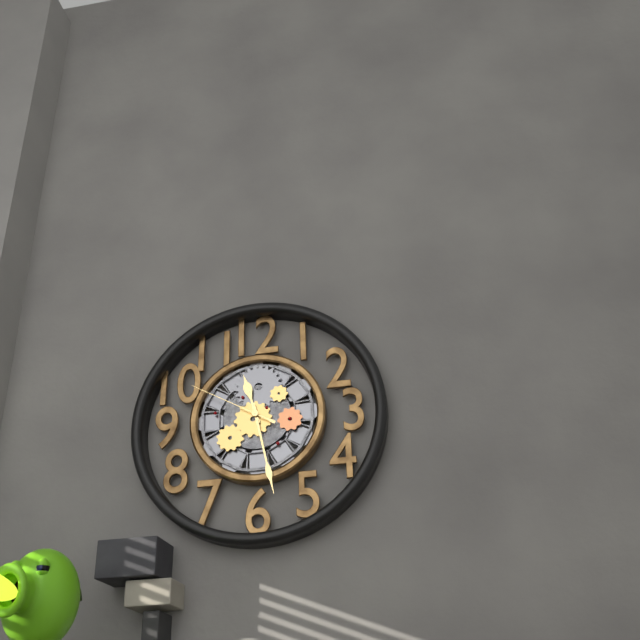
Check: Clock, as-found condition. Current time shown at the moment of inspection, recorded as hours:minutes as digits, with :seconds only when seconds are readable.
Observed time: 11:28:50
